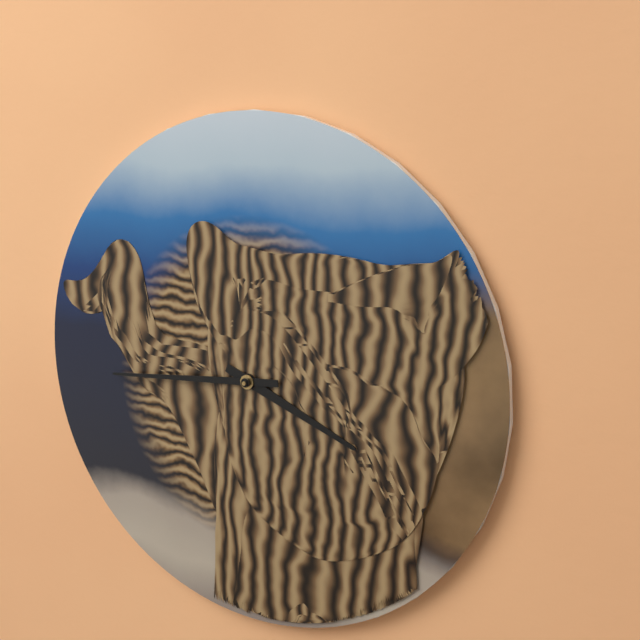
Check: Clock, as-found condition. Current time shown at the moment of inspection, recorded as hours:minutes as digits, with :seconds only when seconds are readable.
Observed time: 3:44
